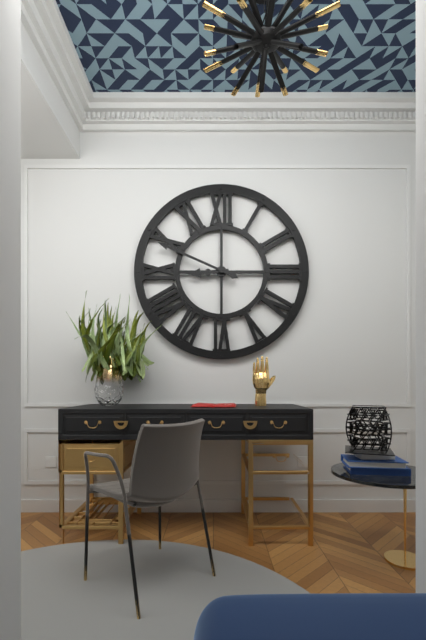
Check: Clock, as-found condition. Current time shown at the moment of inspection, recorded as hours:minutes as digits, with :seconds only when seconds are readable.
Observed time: 8:49
